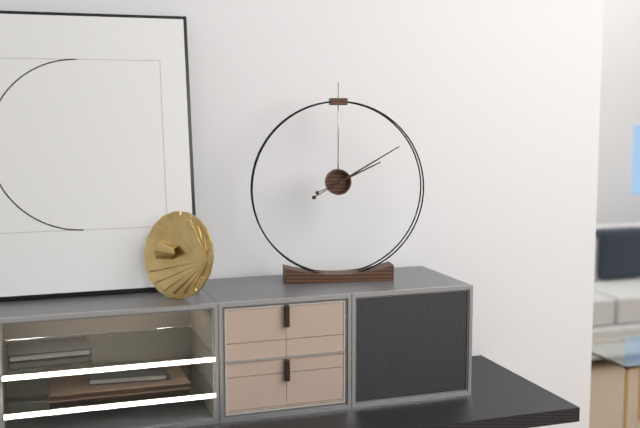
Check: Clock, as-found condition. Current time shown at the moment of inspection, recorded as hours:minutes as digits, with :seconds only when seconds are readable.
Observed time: 2:10
